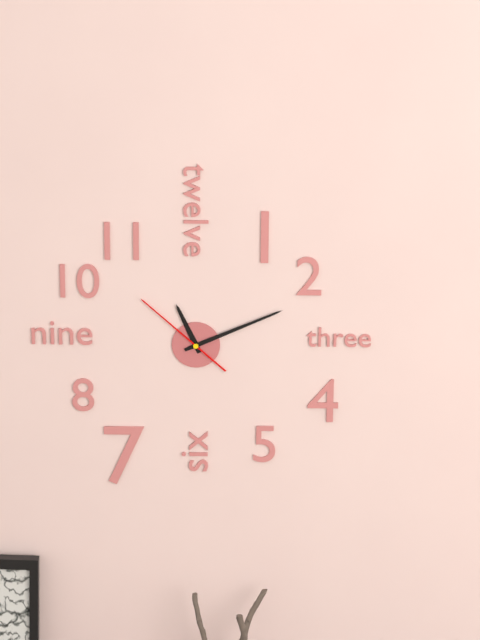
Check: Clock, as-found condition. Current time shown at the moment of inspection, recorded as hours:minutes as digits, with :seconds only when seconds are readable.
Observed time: 11:11:52
